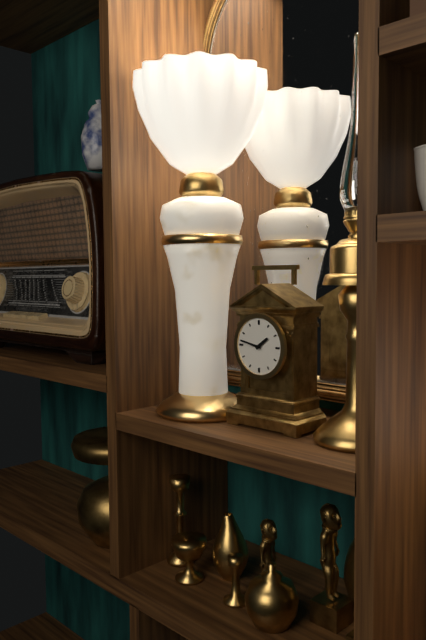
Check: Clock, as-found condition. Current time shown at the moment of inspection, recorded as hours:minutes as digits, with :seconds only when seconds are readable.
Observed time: 1:47
